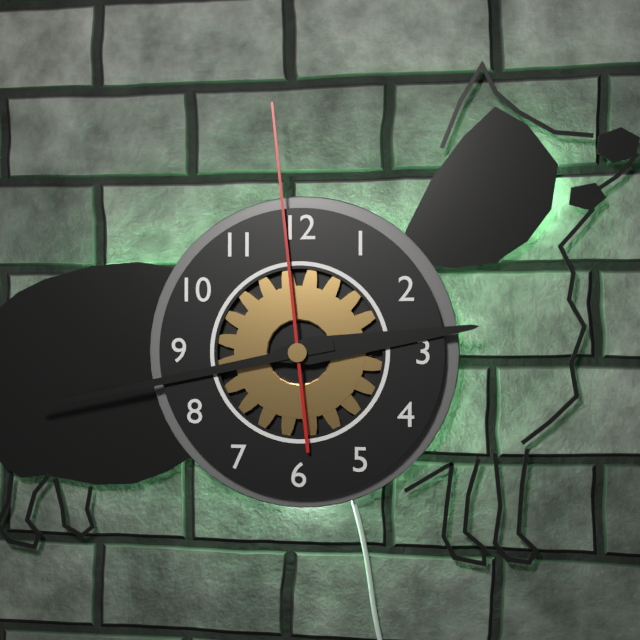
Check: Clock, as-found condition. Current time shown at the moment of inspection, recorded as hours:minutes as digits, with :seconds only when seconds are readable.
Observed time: 2:43:59
